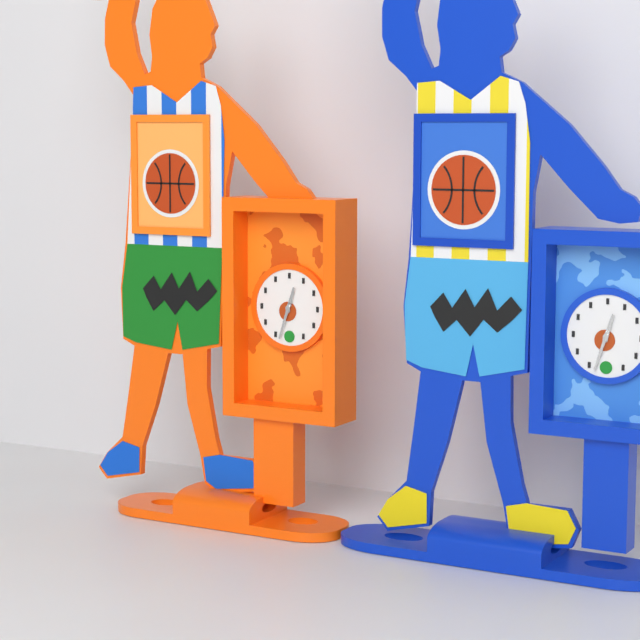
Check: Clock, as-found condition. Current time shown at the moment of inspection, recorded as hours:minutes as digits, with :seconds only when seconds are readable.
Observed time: 12:33
